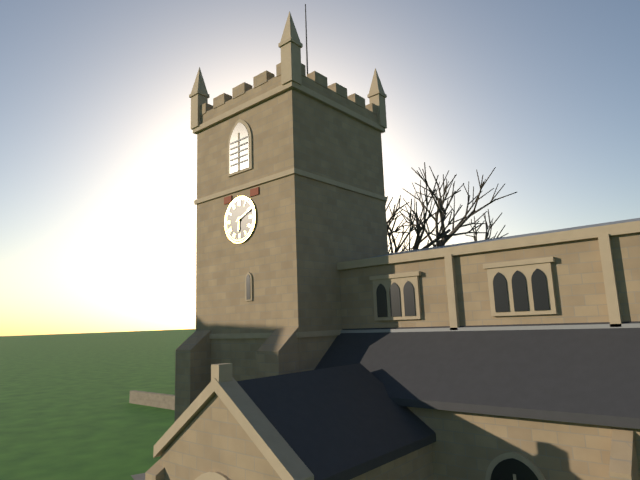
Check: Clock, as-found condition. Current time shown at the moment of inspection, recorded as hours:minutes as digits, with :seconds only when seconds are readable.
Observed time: 6:11
